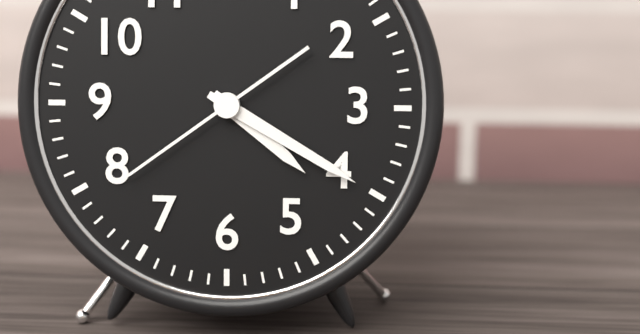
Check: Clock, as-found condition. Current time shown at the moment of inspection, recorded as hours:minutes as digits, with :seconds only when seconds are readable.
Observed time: 4:20:39
